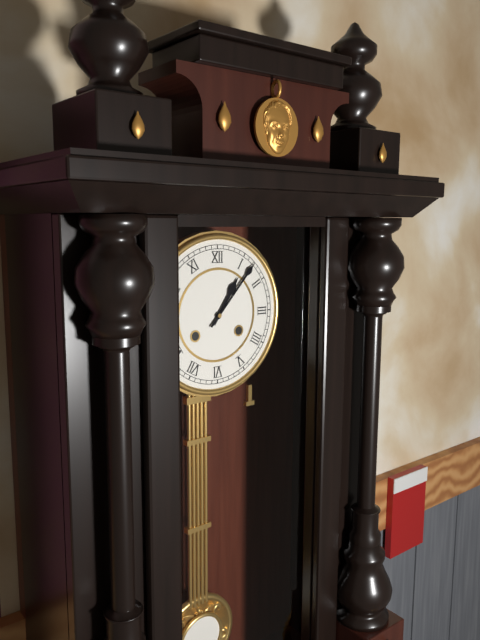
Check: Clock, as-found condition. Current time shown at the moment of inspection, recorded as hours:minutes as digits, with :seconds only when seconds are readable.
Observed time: 1:07
